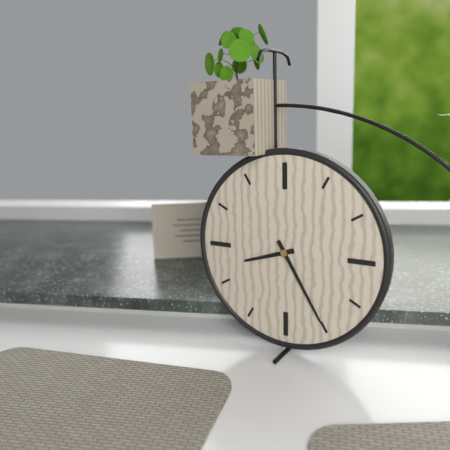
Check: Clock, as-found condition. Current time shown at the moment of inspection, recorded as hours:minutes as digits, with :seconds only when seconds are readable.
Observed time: 8:25
